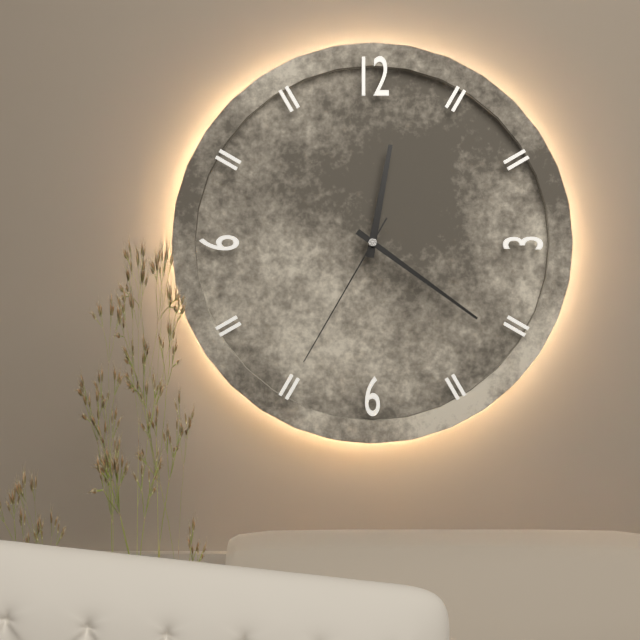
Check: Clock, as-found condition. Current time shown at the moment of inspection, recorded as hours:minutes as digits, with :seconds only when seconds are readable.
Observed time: 12:21:35
